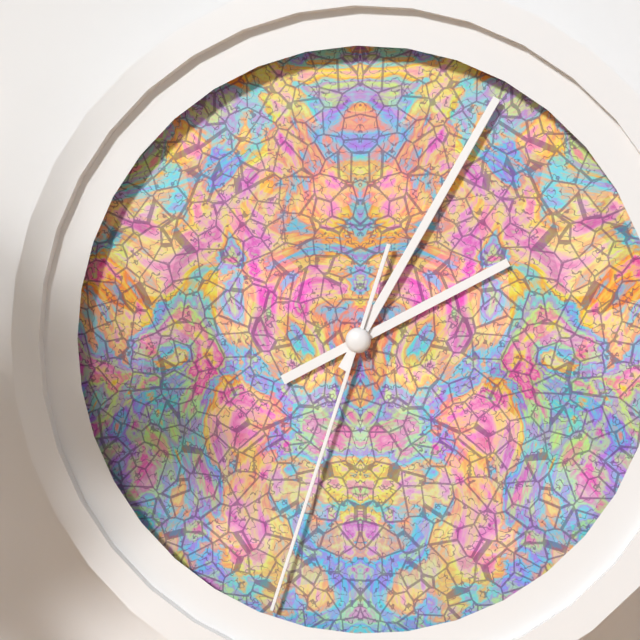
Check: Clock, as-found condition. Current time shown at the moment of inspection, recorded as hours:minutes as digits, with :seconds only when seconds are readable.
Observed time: 2:05:33
